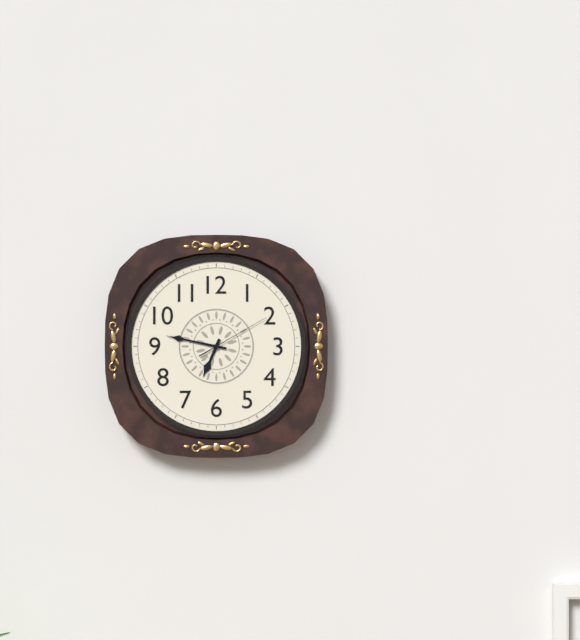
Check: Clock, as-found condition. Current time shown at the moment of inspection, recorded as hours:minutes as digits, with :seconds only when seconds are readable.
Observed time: 6:47:10
